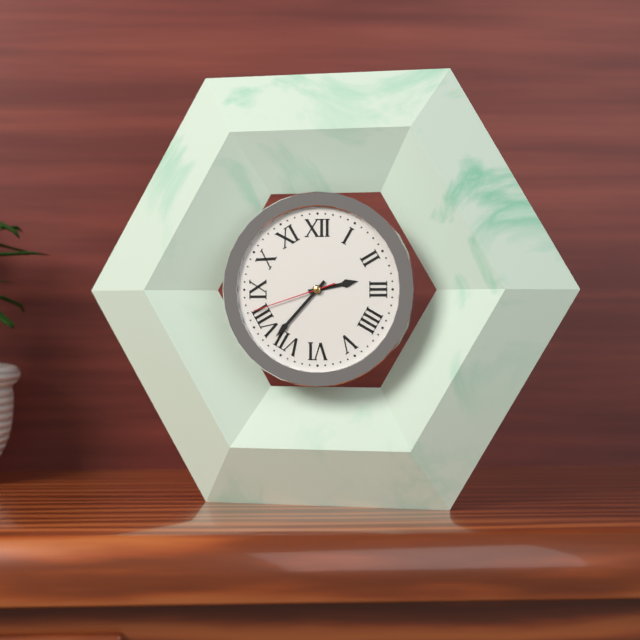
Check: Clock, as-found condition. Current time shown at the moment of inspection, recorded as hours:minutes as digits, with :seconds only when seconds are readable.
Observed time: 2:37:42
